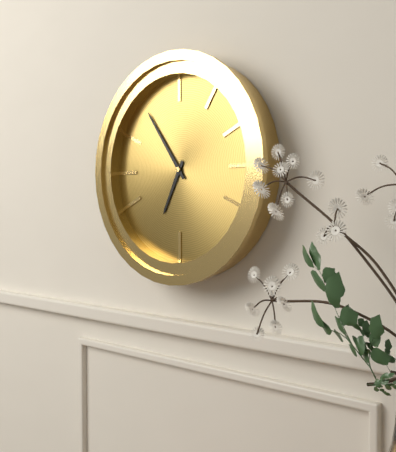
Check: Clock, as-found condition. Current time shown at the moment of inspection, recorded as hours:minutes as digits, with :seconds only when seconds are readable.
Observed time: 6:54
